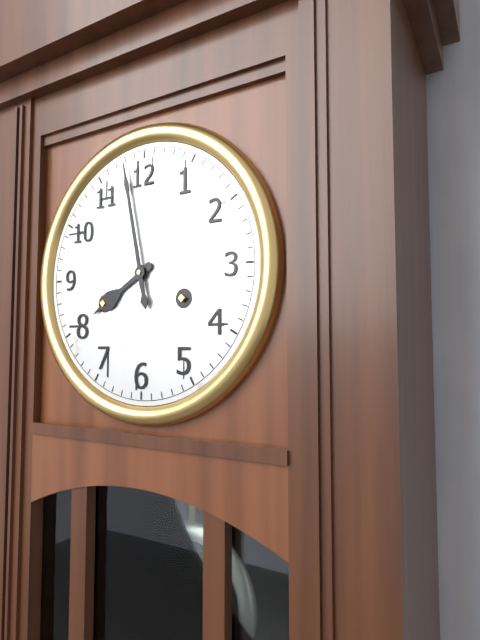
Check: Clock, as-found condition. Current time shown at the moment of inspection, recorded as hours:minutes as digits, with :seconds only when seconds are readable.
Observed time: 7:58
